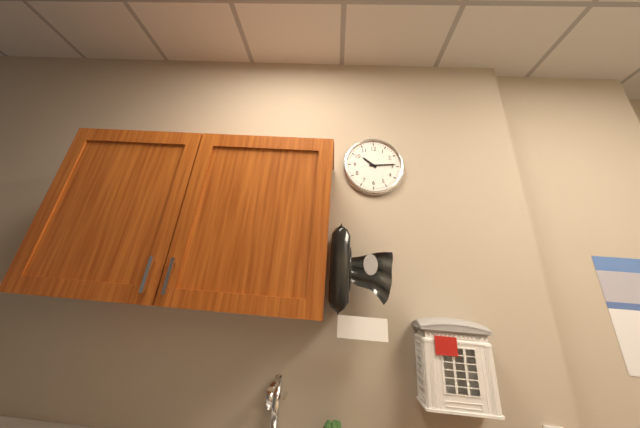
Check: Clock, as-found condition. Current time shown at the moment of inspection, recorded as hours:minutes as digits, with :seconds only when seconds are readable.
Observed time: 10:14
